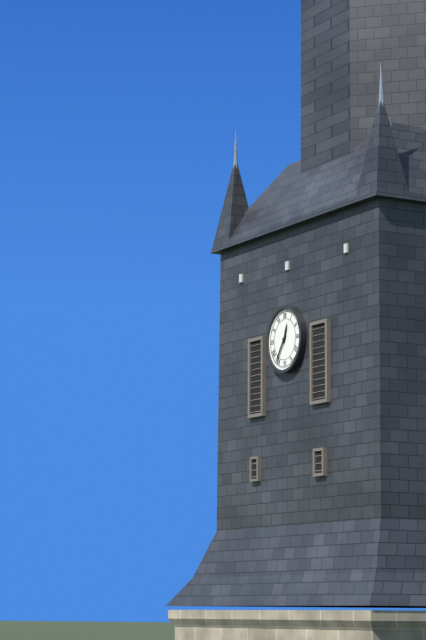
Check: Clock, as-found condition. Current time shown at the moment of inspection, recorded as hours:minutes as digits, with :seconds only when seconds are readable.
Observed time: 12:36
